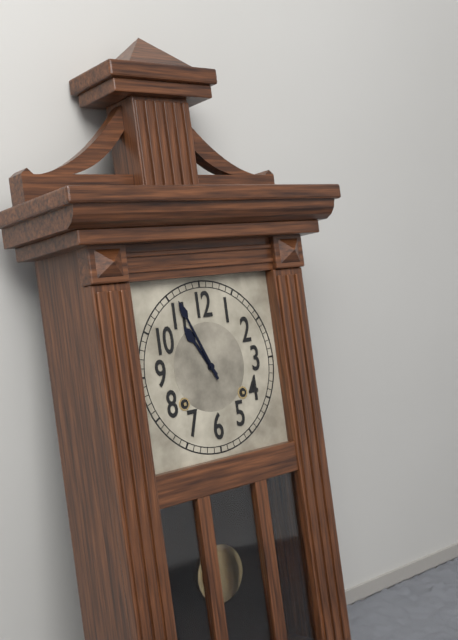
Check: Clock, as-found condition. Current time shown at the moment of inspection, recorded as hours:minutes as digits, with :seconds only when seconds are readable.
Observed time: 10:56
